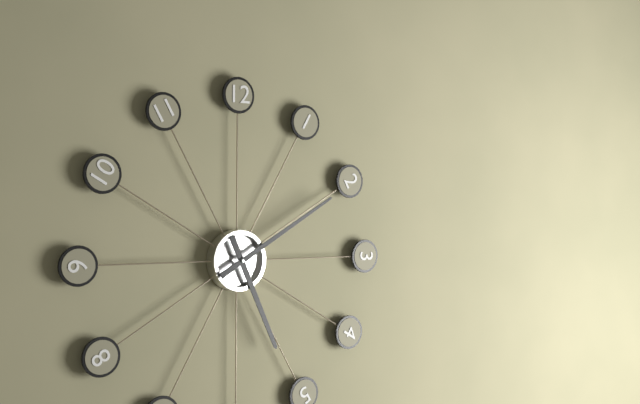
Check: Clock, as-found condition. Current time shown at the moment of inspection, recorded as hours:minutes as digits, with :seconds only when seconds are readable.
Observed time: 5:10
